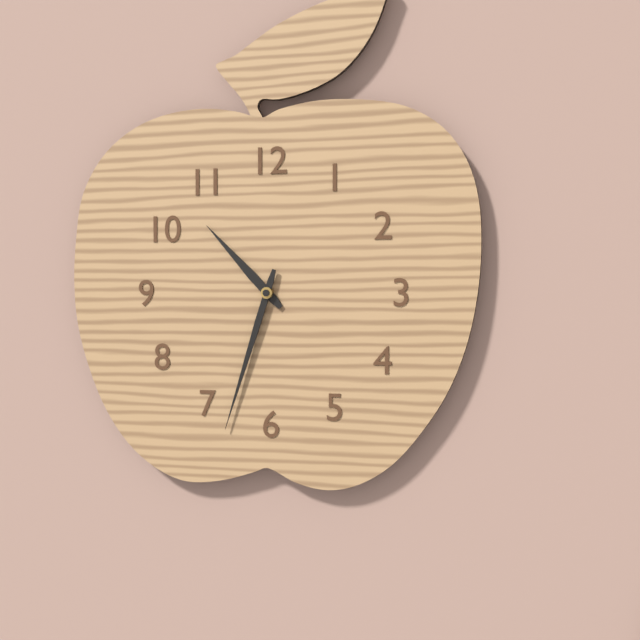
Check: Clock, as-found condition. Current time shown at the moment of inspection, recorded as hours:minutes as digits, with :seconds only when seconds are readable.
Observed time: 10:33
